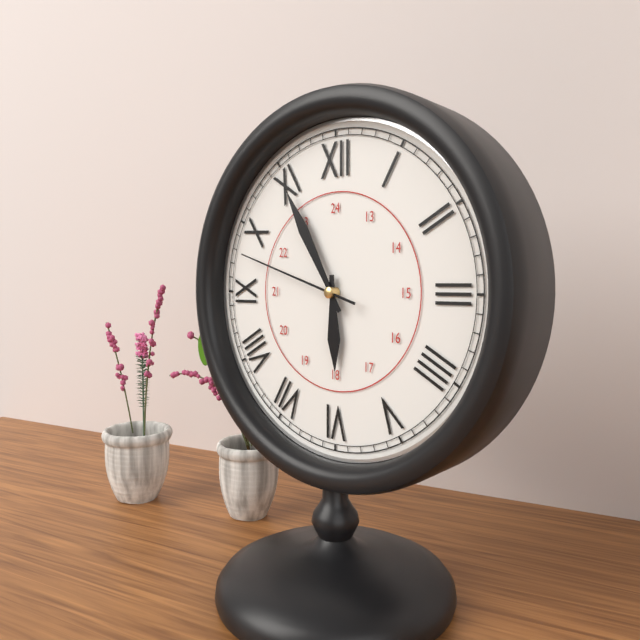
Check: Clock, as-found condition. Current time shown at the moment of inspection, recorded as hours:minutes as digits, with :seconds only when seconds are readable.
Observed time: 5:55:48
